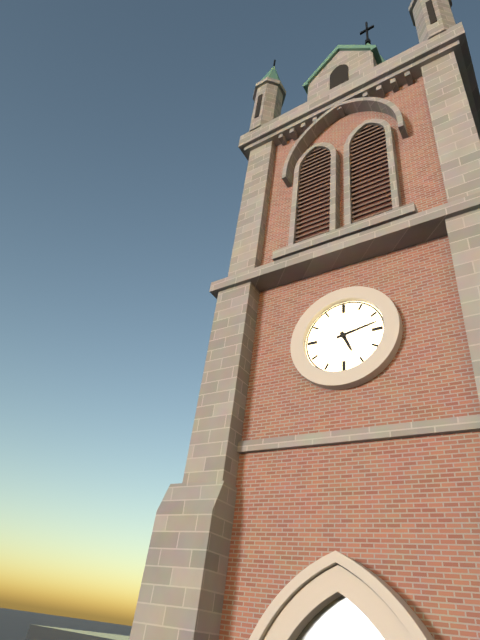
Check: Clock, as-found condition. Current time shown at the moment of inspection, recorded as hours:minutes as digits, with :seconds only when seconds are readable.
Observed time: 5:13
